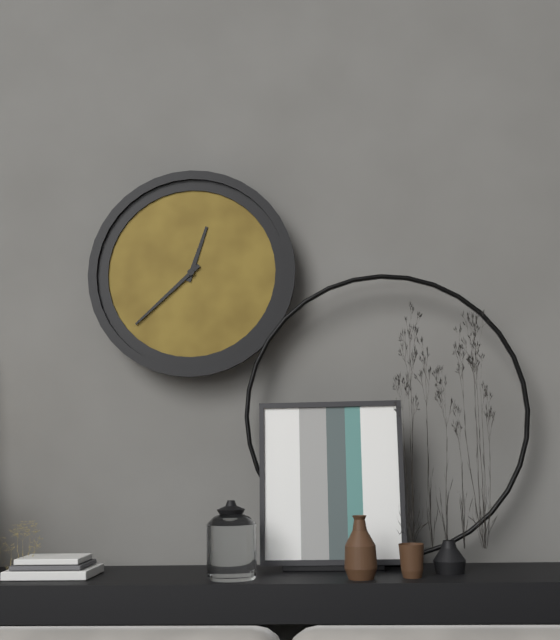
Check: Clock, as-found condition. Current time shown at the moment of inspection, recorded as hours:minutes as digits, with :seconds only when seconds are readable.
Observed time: 12:38
